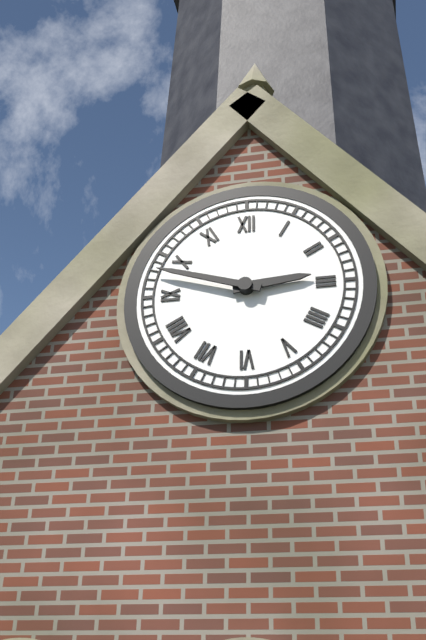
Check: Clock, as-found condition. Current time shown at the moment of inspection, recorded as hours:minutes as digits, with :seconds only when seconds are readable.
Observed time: 2:48
